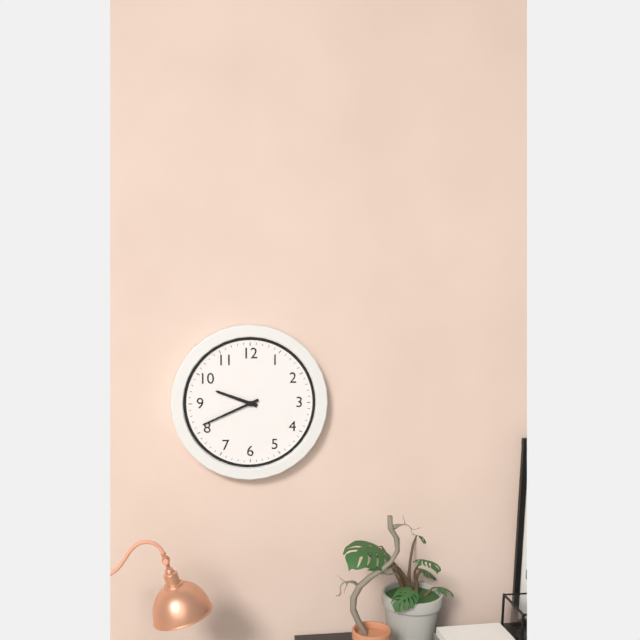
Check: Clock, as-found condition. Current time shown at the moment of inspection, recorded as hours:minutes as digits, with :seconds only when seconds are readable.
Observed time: 9:41
